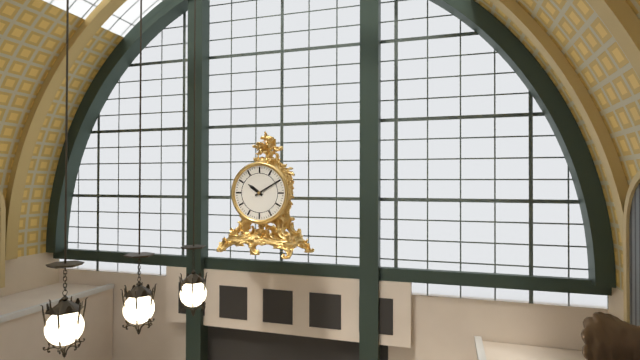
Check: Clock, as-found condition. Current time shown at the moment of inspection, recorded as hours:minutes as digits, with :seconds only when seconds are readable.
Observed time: 10:10
